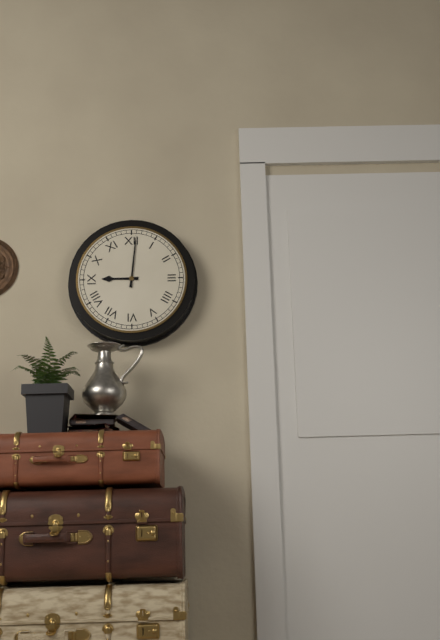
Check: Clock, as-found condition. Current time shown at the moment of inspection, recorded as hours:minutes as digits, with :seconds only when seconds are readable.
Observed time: 9:01
